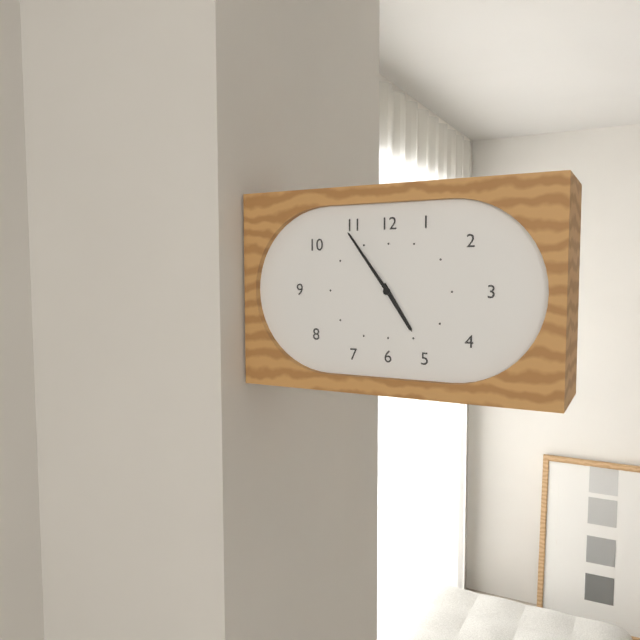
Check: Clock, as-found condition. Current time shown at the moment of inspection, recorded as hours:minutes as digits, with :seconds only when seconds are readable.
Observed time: 4:54
